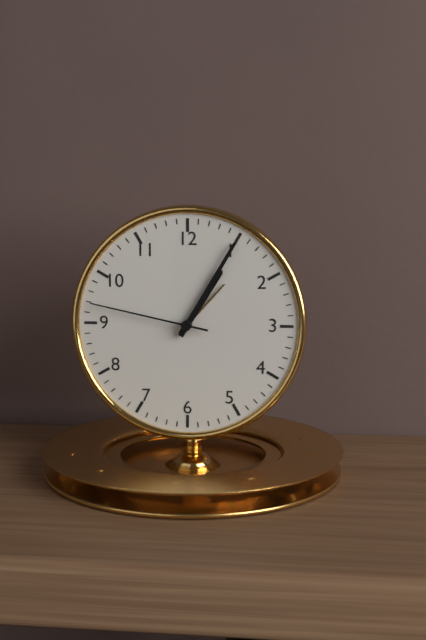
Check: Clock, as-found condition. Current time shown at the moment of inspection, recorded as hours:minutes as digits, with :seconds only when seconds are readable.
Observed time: 1:05:47
